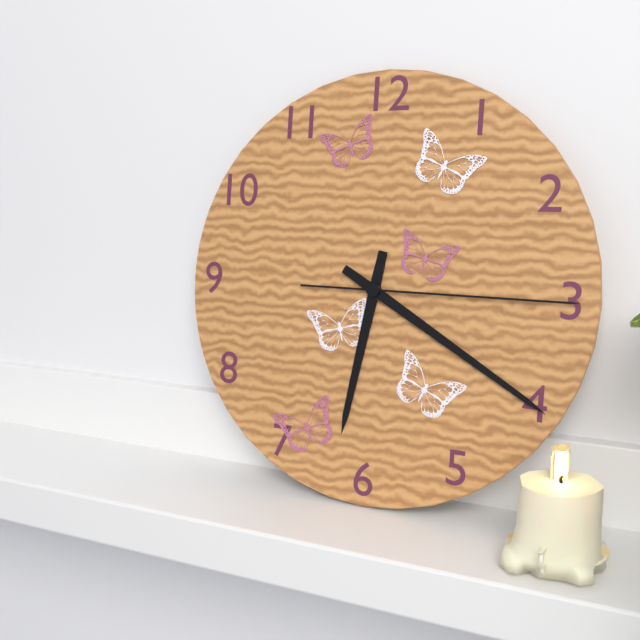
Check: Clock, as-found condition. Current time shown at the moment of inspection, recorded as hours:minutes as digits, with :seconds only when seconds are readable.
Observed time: 6:20:15
